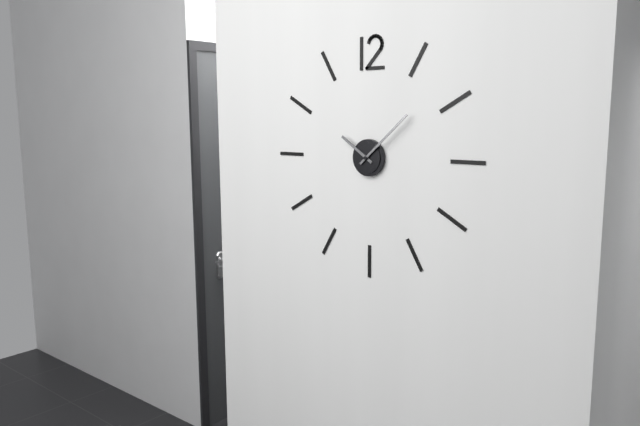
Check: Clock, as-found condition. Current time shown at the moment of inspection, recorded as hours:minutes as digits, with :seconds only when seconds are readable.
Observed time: 10:08
